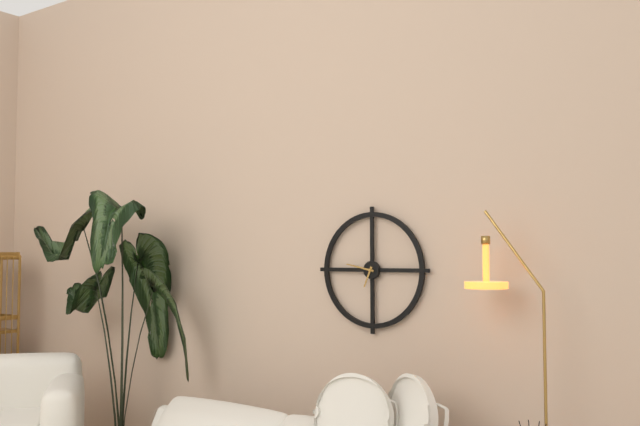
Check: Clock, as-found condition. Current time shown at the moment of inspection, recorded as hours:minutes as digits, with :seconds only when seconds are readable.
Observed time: 6:47
